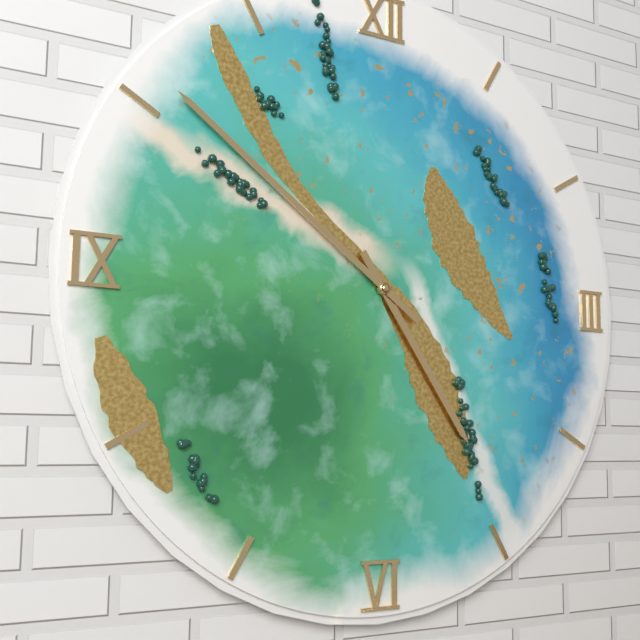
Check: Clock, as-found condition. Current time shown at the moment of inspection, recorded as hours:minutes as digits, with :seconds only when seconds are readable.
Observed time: 4:51
